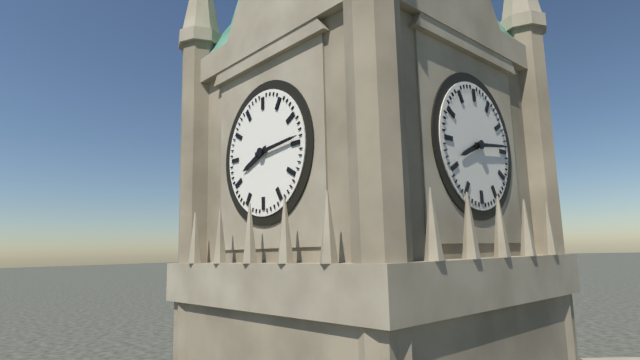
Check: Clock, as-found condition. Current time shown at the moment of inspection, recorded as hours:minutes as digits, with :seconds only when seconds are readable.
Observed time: 8:14
